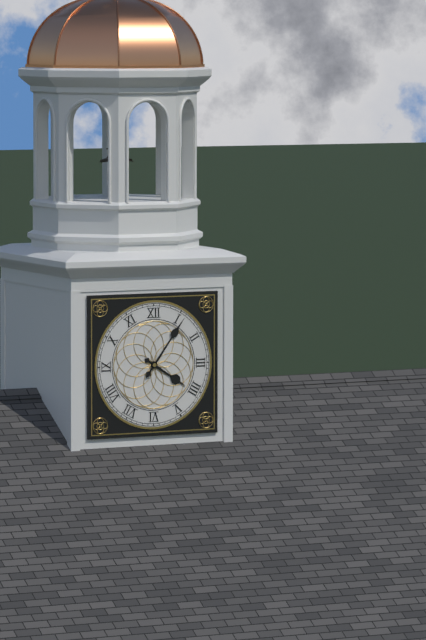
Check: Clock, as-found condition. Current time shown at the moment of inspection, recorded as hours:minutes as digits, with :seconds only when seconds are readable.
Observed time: 4:06
